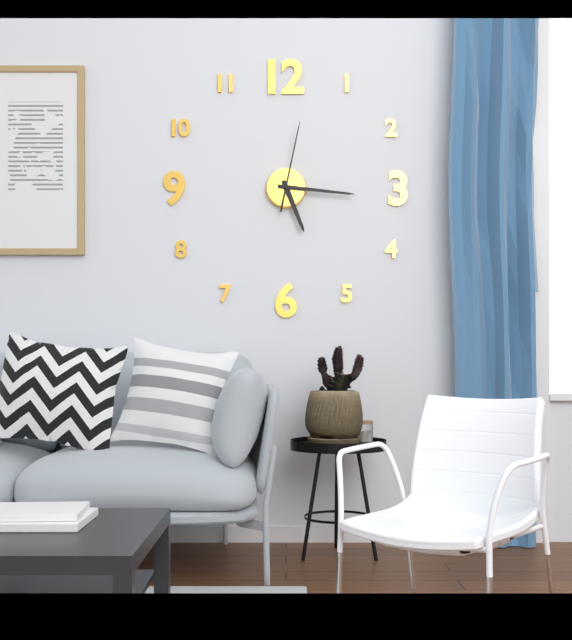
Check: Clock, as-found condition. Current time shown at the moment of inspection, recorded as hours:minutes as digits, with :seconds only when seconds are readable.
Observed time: 5:16:02
